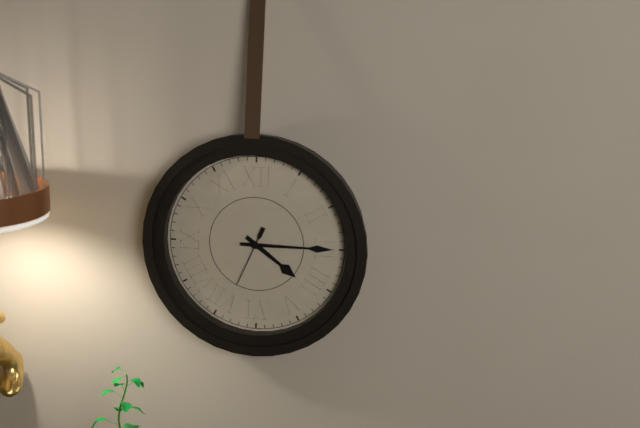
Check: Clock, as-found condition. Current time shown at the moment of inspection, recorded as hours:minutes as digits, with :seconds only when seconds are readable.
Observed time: 4:15:34
